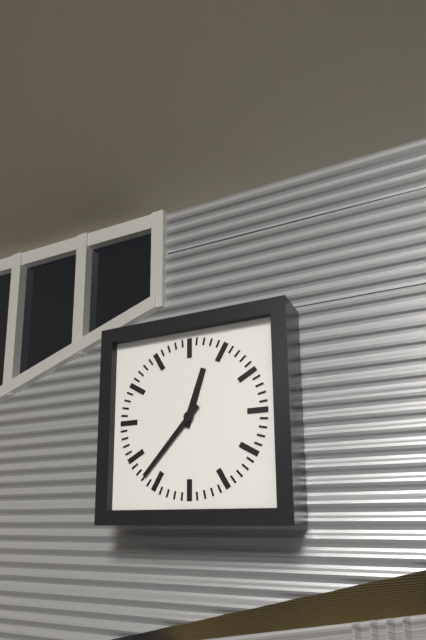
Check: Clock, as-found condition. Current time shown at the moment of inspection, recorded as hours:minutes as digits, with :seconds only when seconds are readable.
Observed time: 12:37
